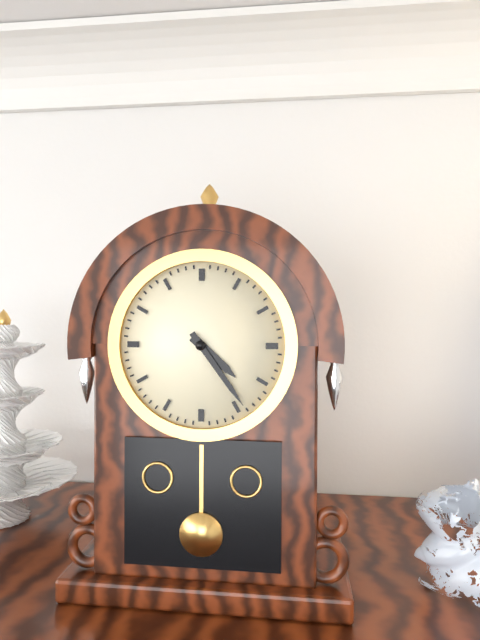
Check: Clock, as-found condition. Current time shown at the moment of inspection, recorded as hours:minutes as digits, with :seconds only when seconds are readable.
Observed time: 4:24
